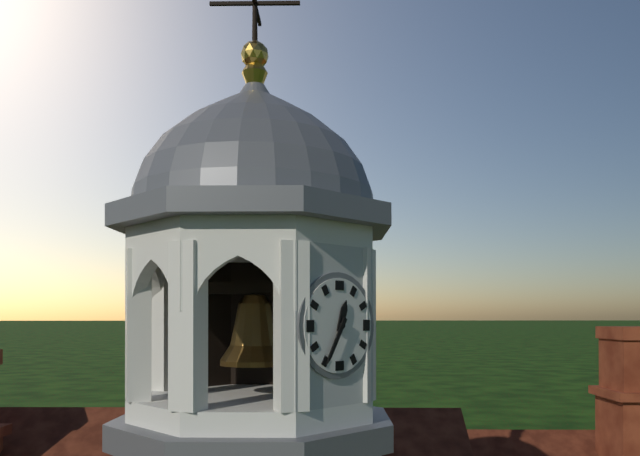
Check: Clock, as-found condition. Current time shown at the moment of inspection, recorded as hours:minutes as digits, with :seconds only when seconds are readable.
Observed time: 12:35
